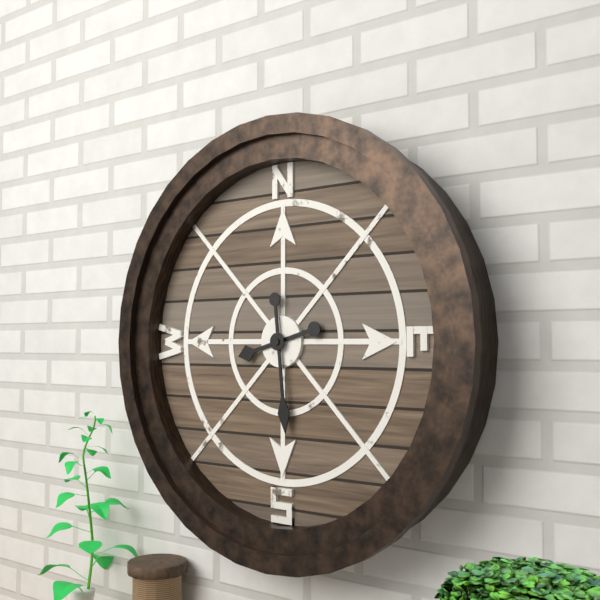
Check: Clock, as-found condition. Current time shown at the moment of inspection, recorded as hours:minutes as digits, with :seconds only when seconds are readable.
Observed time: 8:29
